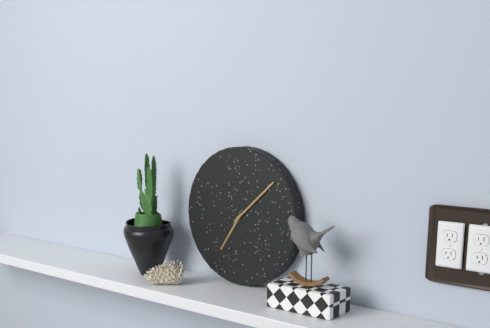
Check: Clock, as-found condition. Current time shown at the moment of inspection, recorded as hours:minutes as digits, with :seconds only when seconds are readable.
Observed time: 7:08
